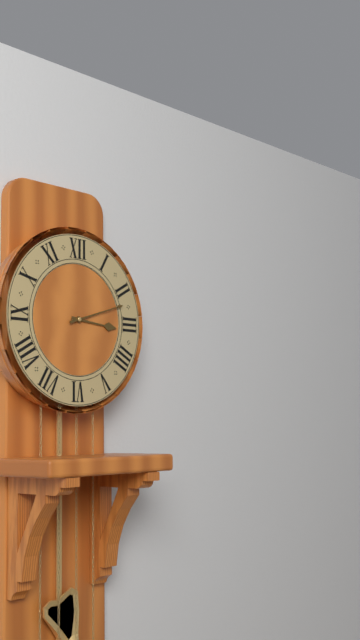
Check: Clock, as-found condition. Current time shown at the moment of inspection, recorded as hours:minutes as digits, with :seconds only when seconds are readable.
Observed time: 3:12
